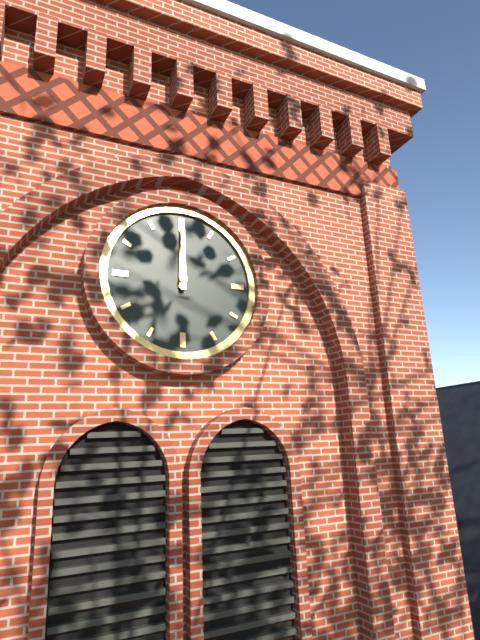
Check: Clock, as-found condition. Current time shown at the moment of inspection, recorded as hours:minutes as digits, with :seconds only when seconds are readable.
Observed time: 12:00
